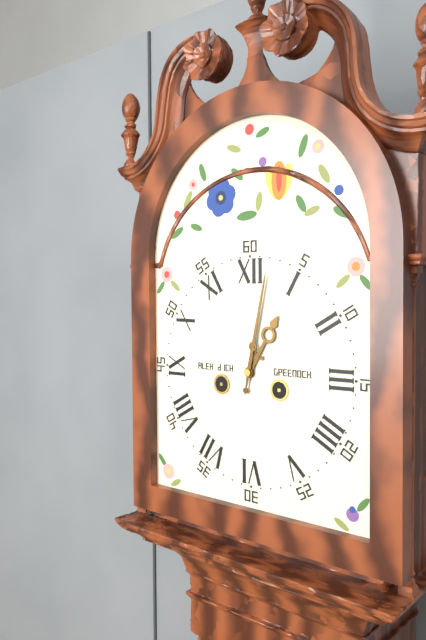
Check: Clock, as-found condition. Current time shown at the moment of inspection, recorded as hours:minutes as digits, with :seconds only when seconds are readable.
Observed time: 1:02
